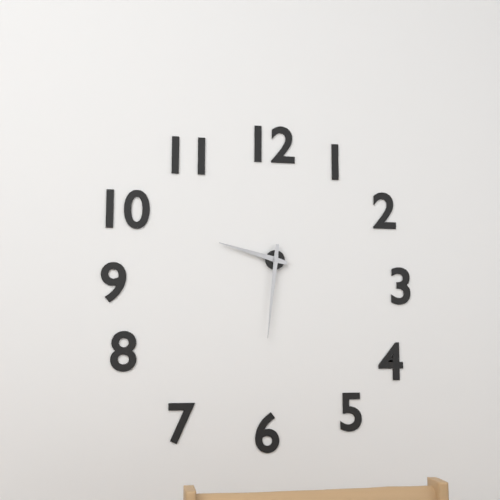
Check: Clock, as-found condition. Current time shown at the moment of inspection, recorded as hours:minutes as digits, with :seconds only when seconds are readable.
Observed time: 9:31
